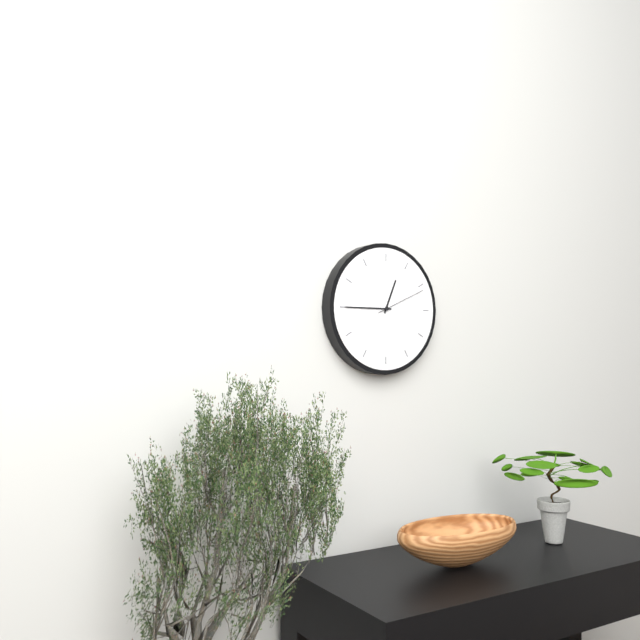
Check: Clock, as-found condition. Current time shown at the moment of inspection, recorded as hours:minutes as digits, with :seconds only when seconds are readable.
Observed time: 12:45:11
